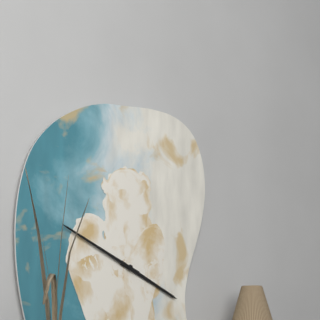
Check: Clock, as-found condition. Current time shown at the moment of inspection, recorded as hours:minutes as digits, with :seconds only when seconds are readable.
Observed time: 3:49
